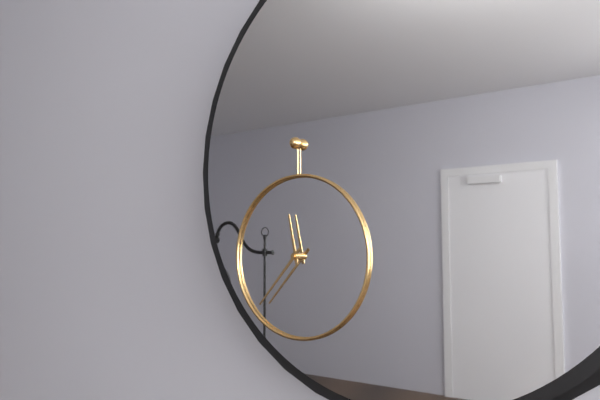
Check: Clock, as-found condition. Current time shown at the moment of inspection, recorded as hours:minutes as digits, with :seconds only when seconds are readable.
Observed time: 11:37
